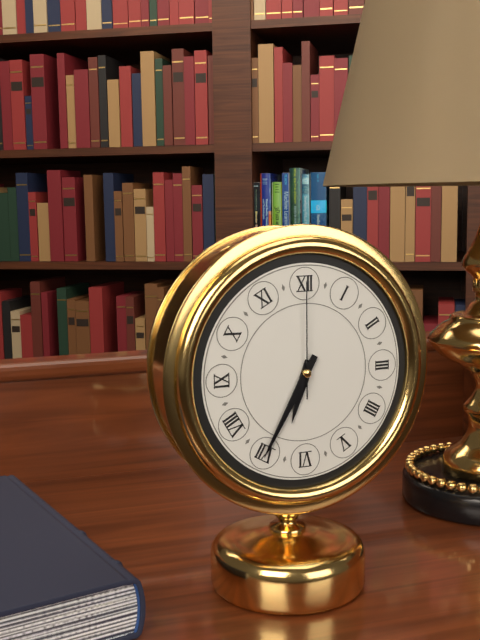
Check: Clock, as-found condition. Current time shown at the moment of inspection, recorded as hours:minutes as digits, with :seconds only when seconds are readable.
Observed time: 6:35:00
